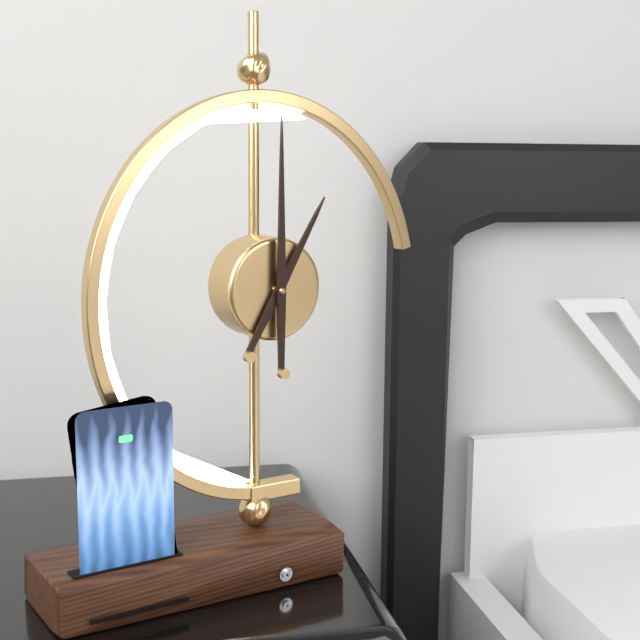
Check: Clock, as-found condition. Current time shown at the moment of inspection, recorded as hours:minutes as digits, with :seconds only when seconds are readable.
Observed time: 1:00
